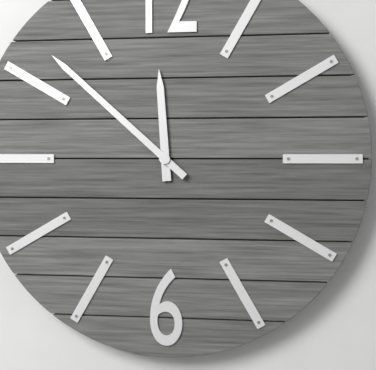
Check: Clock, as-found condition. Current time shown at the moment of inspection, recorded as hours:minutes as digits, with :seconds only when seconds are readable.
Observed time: 11:52
